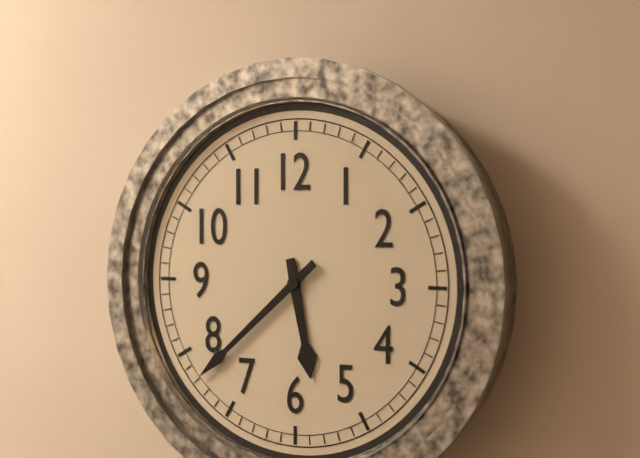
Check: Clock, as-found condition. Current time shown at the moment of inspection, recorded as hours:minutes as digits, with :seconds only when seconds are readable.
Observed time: 5:38
